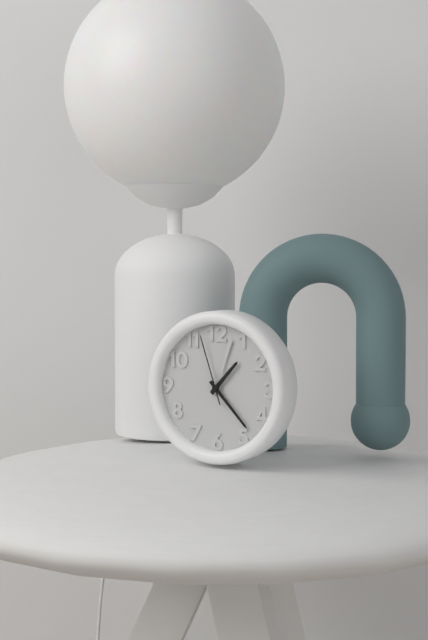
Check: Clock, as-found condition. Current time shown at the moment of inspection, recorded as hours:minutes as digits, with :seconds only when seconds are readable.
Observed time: 1:23:57
